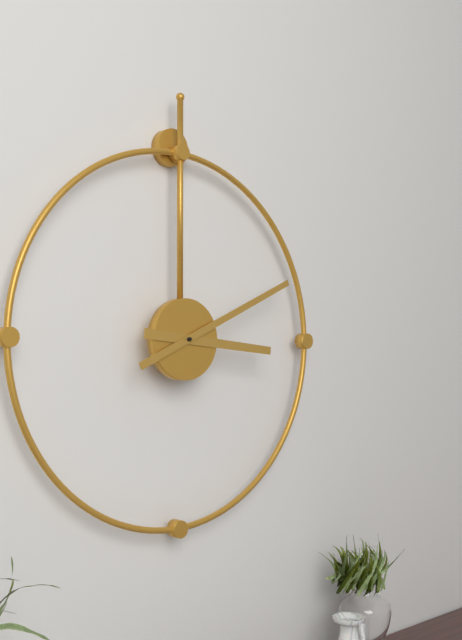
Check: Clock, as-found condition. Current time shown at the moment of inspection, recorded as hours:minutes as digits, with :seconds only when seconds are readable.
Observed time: 3:11
